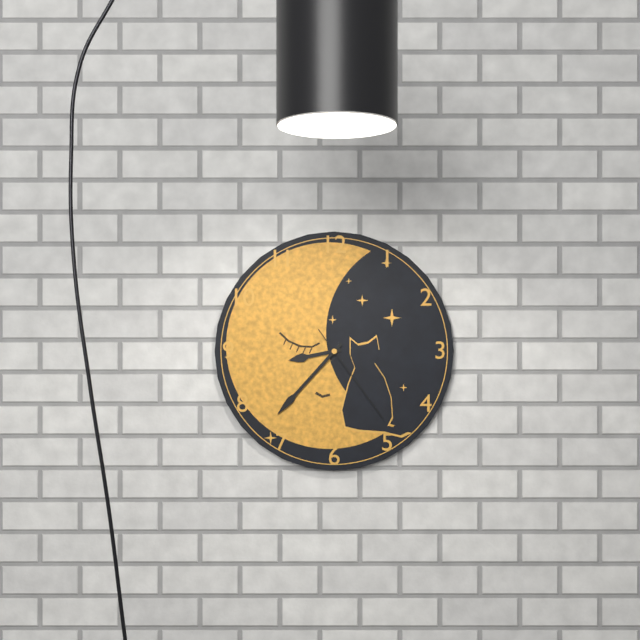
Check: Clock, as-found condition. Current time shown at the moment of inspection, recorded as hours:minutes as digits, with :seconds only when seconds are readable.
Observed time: 8:37:24
